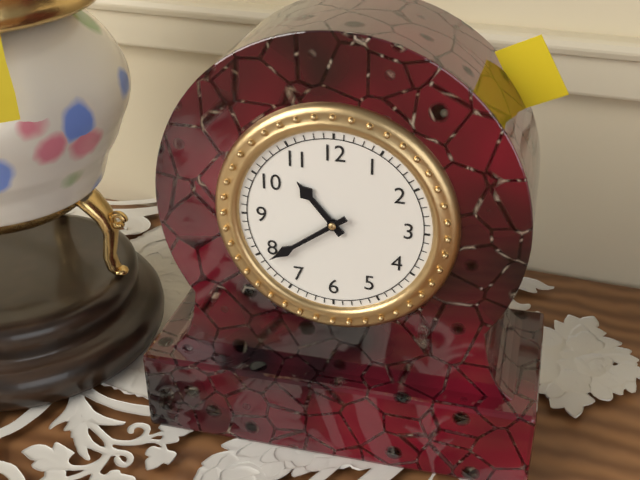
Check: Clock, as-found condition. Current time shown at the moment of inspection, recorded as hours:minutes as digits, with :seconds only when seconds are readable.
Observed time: 10:39
